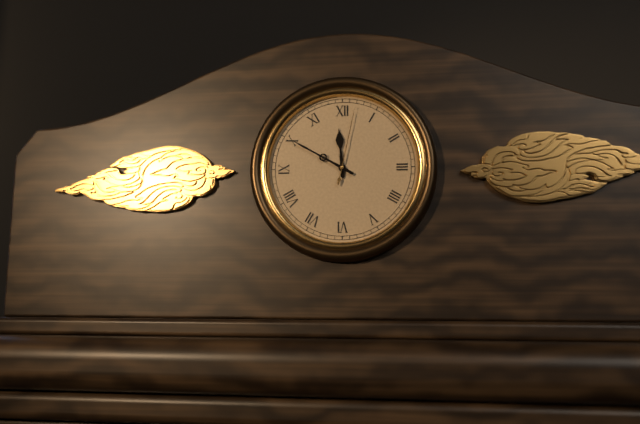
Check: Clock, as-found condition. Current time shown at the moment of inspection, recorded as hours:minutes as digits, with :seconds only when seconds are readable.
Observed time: 11:50:02
